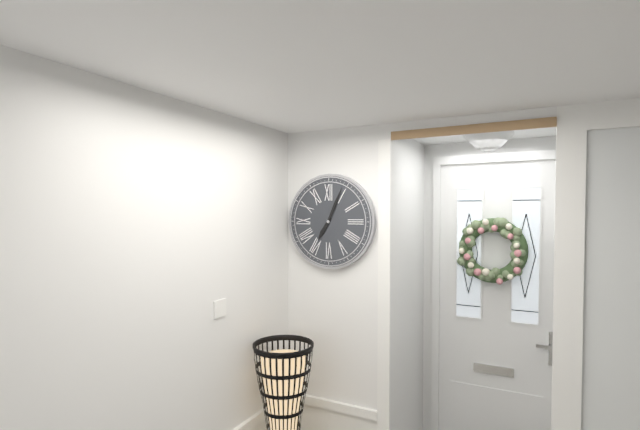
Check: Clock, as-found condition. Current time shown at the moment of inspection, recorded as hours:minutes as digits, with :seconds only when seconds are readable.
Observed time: 7:04
